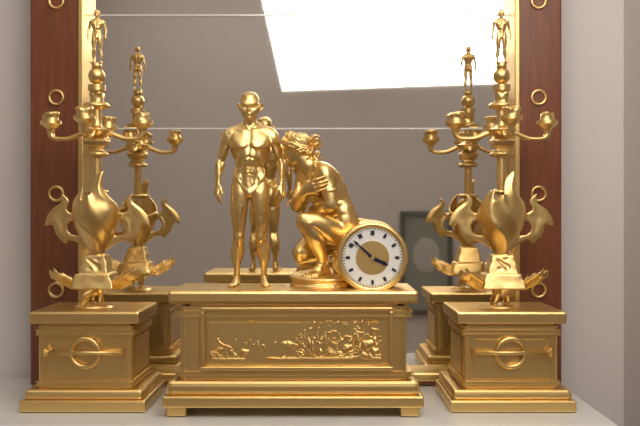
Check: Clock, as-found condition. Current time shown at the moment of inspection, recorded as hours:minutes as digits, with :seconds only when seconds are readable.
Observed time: 3:52
